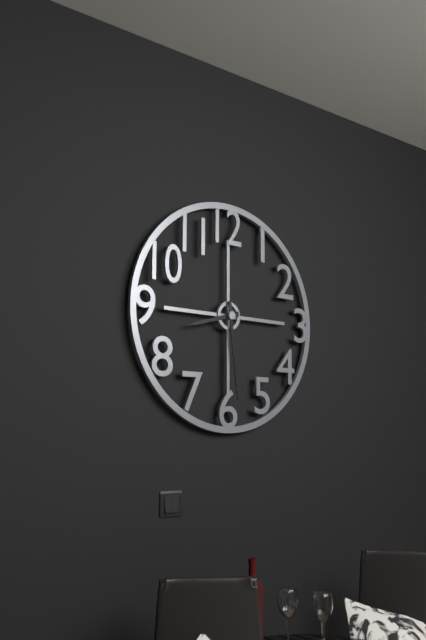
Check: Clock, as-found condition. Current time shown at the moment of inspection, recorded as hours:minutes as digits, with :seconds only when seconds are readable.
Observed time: 8:29
